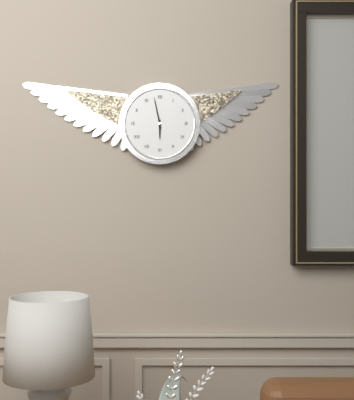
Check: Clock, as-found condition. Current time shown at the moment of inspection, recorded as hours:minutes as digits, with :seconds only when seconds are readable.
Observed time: 5:58
